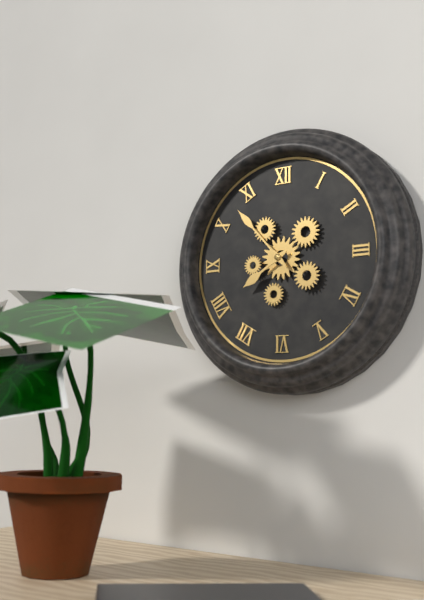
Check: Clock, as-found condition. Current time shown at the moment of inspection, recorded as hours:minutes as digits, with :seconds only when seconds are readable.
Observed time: 7:53
